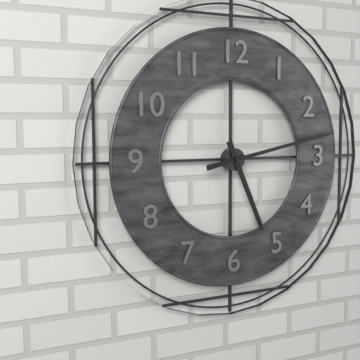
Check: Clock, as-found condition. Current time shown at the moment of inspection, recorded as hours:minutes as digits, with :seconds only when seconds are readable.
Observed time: 5:13
